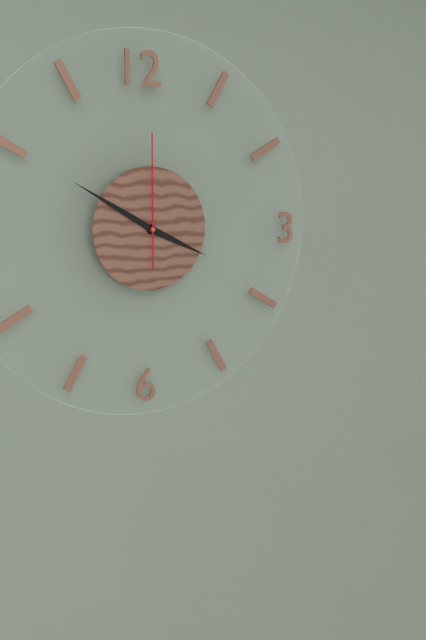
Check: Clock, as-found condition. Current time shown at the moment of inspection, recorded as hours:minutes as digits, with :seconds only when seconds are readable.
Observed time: 3:50:00
